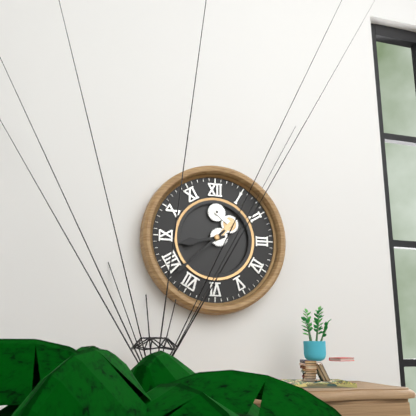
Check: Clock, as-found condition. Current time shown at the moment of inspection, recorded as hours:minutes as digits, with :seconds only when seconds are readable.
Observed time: 8:38
